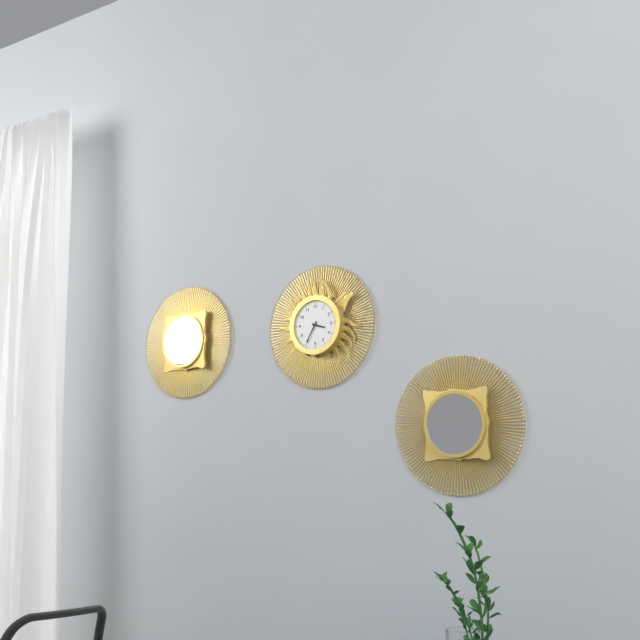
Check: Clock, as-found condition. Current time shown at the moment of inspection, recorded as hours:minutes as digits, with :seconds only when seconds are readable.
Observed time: 3:35
